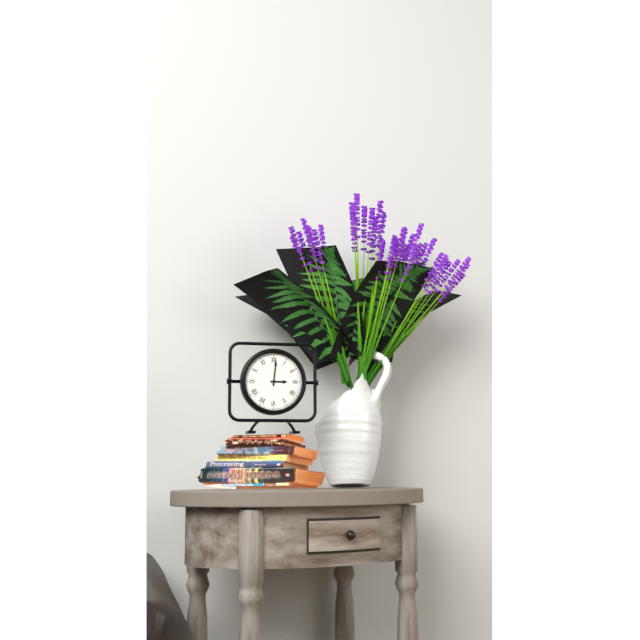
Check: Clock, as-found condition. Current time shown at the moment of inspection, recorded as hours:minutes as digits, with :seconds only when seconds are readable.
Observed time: 3:01
